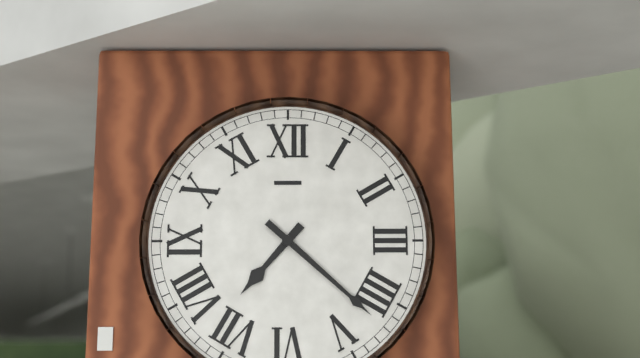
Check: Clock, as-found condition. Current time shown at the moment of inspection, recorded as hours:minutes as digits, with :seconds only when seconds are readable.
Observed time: 7:22
